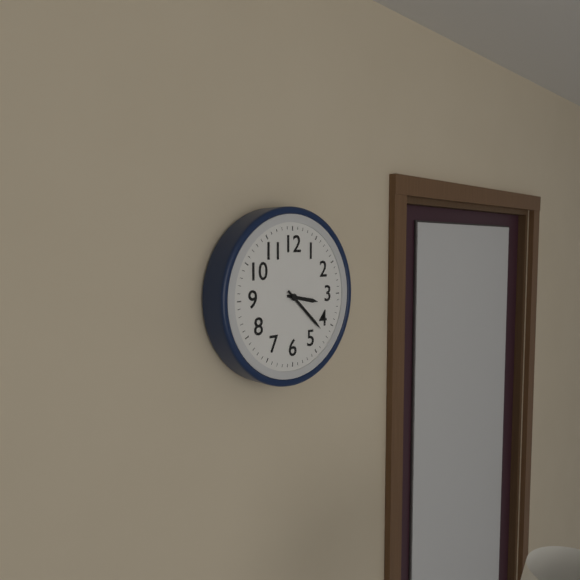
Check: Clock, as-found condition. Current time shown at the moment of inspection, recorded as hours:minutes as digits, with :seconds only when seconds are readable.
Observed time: 3:22
